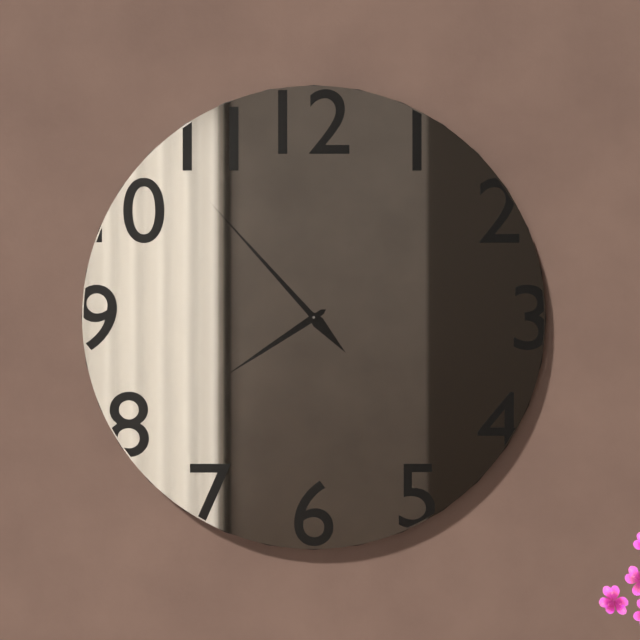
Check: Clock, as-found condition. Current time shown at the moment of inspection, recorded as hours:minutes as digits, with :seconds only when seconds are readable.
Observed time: 7:53
